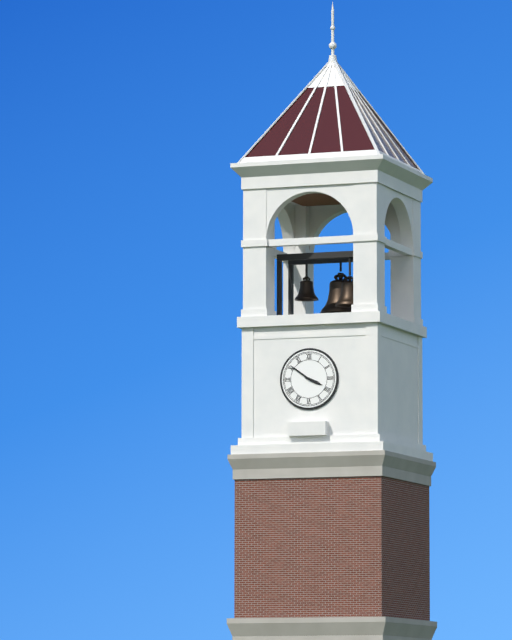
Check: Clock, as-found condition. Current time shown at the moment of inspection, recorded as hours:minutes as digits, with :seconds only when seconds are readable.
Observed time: 3:51
